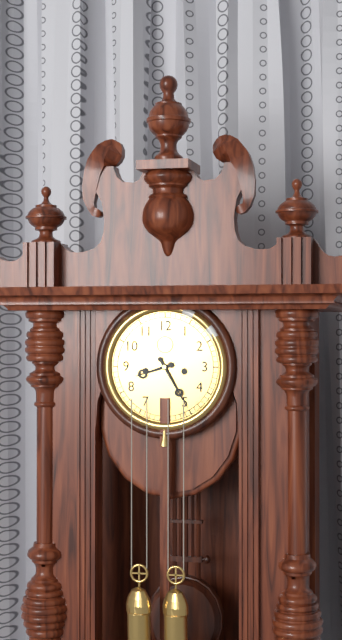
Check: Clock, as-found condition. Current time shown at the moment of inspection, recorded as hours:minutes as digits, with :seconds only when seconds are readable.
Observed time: 8:25
